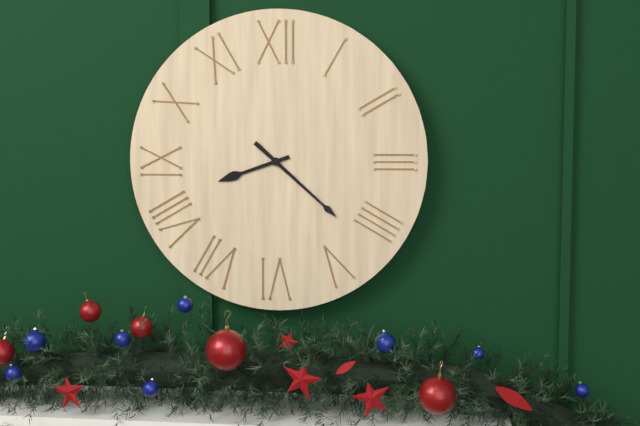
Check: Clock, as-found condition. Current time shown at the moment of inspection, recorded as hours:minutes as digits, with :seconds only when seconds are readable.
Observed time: 8:22
